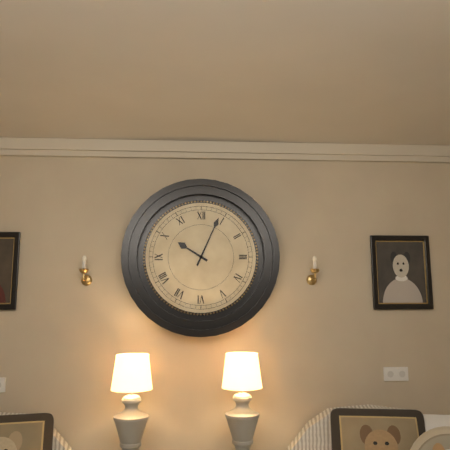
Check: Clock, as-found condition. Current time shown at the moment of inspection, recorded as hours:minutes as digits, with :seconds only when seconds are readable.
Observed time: 10:04
